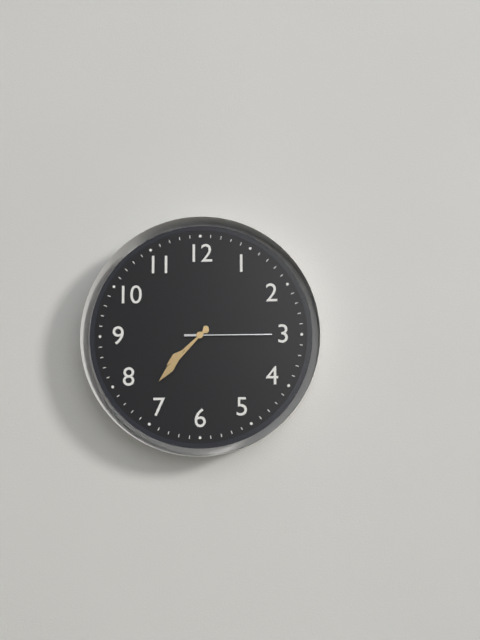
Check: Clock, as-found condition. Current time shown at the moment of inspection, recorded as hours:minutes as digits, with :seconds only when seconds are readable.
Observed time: 7:37:15
